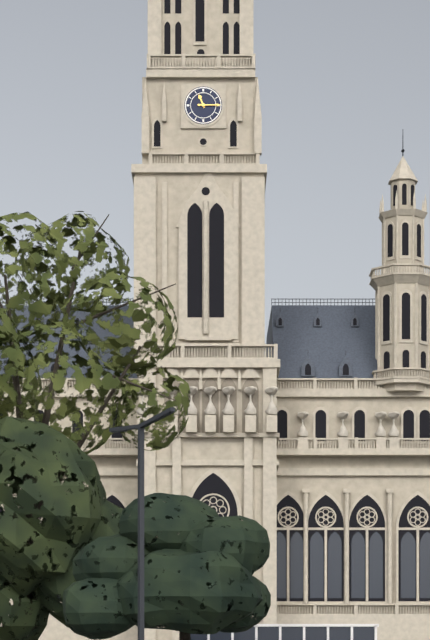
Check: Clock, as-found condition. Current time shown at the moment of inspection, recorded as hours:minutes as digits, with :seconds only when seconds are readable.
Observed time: 11:15
